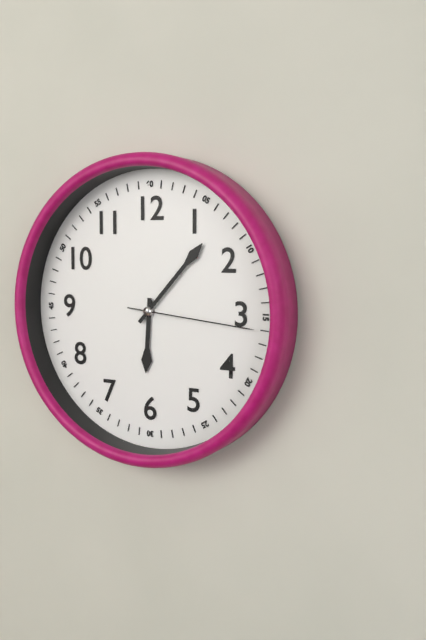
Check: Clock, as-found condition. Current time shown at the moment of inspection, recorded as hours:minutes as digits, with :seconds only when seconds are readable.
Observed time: 6:07:16
